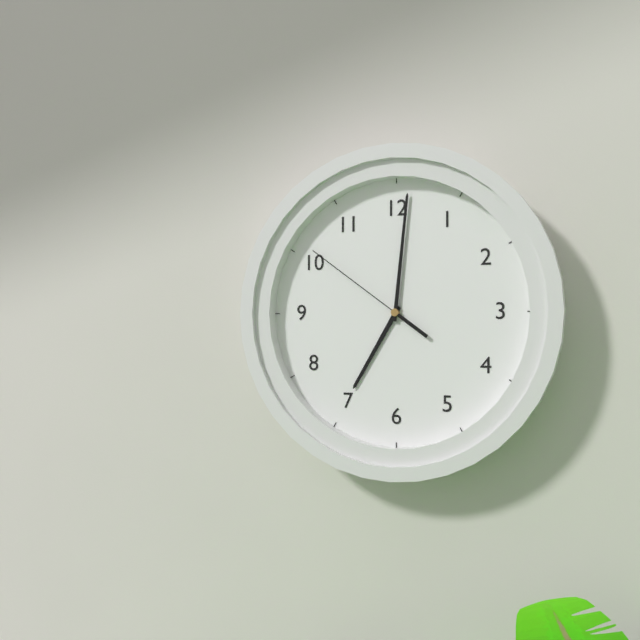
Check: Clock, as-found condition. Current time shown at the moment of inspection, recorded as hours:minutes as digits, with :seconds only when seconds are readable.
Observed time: 7:01:51
